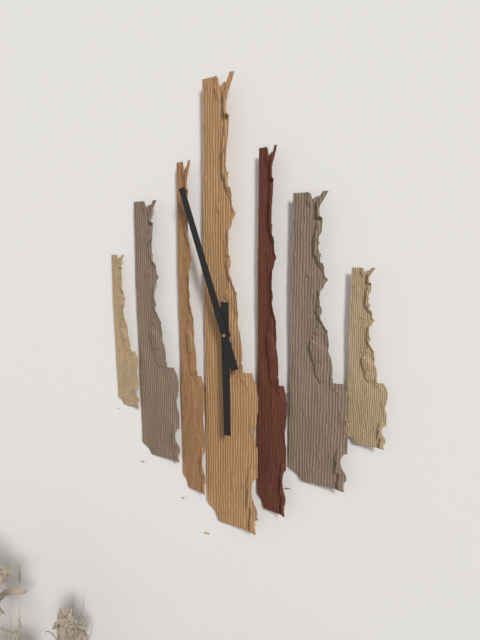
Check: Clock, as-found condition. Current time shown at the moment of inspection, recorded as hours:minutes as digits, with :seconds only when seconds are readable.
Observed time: 5:57
